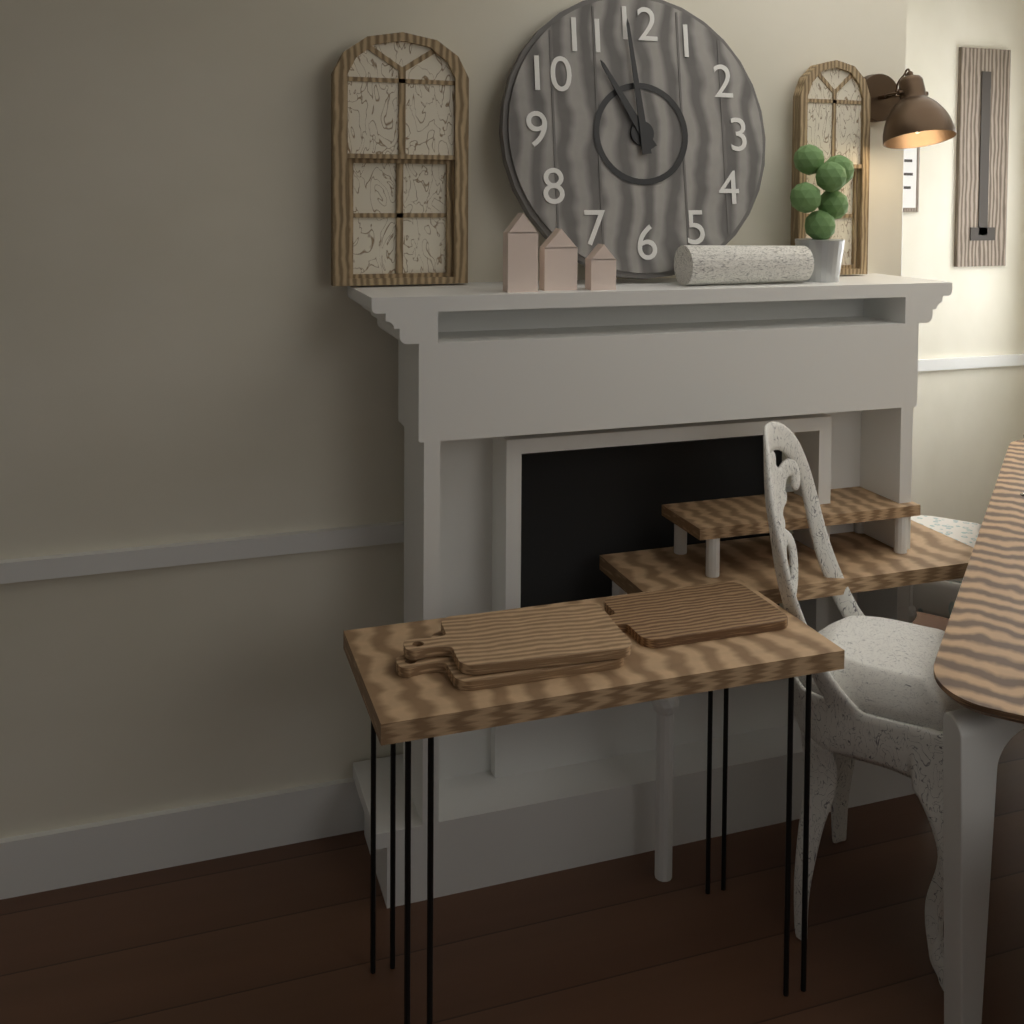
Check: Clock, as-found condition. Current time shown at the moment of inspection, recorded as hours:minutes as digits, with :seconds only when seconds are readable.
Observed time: 10:59
